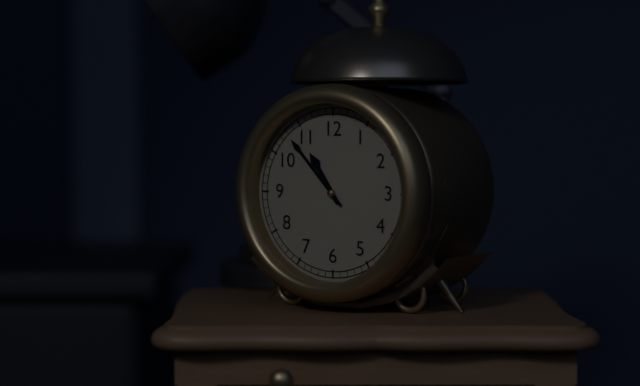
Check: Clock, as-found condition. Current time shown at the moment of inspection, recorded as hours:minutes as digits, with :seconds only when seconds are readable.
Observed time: 10:53
